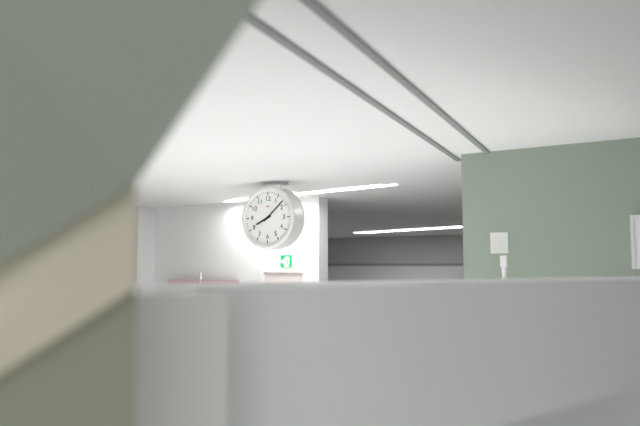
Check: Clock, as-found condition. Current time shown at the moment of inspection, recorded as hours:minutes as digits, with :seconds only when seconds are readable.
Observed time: 8:08
